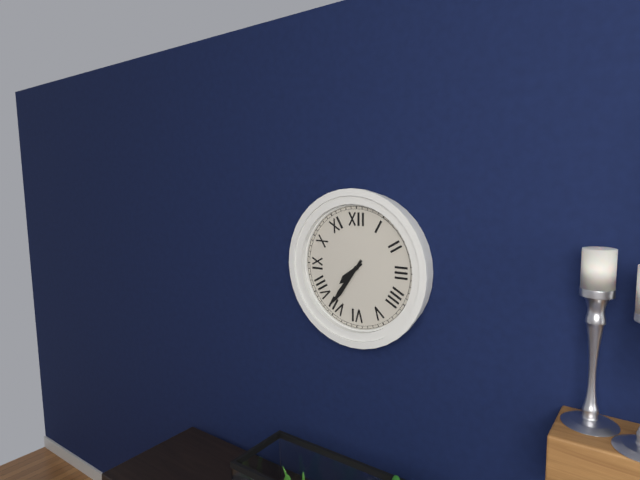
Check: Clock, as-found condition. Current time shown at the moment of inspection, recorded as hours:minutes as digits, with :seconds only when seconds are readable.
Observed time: 7:36
